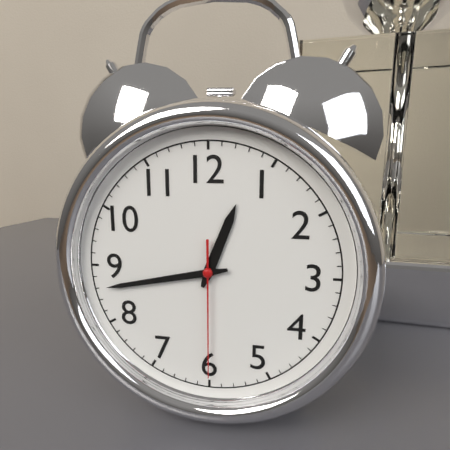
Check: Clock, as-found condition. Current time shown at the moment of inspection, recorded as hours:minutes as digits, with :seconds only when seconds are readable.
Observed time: 12:43:30
